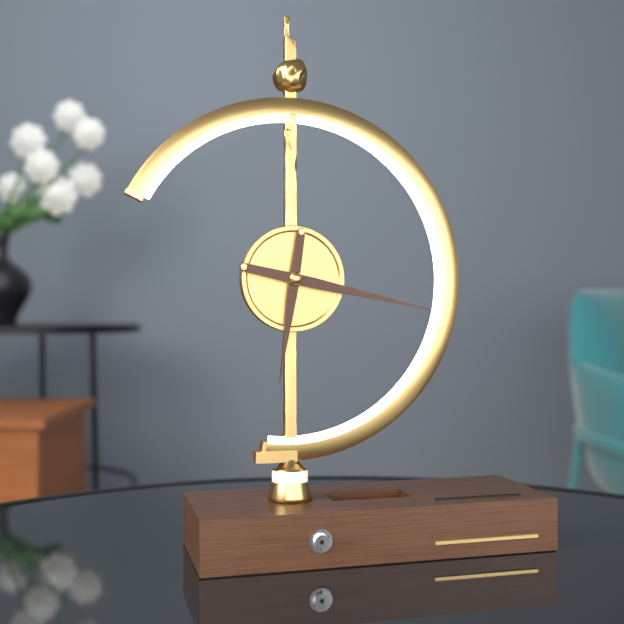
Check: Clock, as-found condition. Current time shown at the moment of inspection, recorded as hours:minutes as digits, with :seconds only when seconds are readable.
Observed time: 6:17
